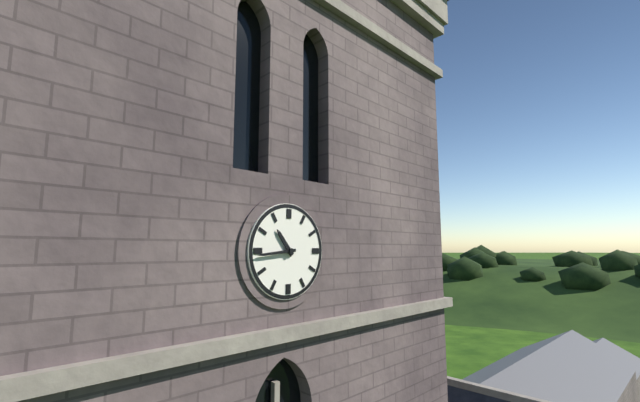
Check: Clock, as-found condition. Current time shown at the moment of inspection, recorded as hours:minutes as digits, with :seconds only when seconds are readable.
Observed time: 10:44
